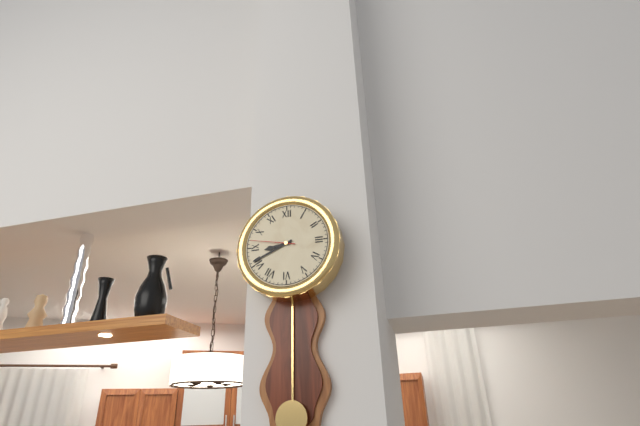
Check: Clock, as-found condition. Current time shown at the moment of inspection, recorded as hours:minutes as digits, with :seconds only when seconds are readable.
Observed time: 8:41
